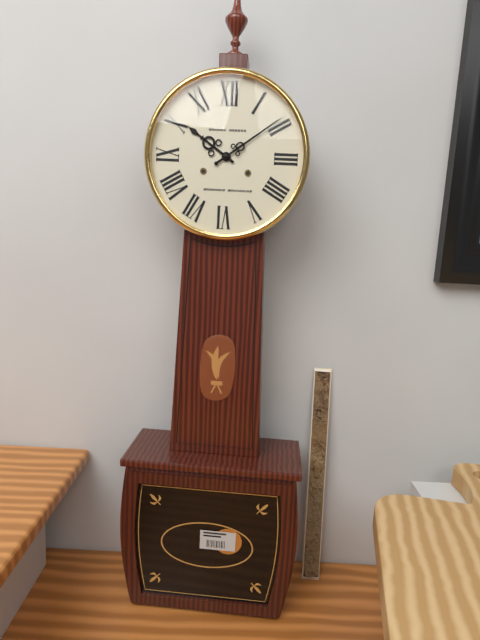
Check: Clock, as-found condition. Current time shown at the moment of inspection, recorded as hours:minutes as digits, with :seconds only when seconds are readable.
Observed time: 10:09
